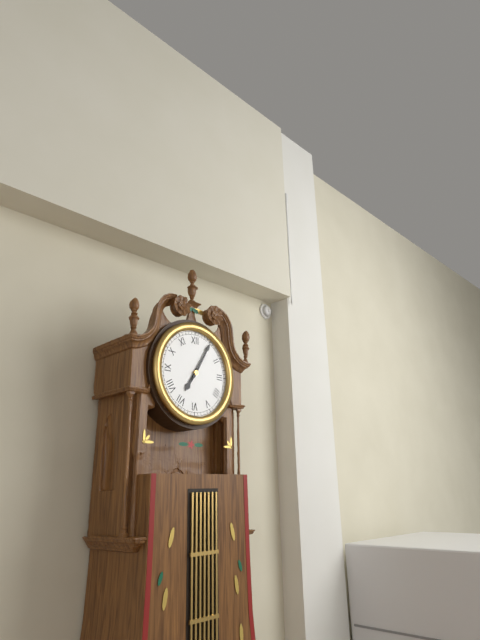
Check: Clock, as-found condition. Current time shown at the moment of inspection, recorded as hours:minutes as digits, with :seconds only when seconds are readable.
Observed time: 7:05
